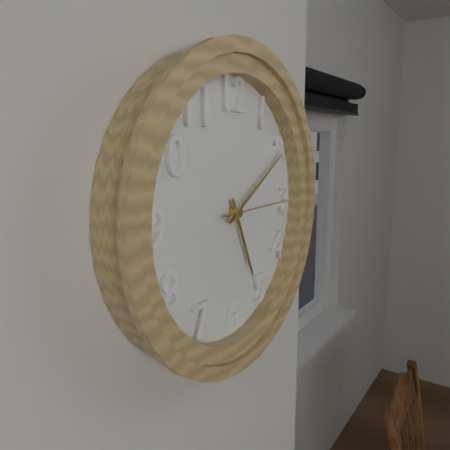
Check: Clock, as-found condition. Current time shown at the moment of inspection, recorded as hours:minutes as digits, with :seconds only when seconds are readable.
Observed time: 5:10:15
